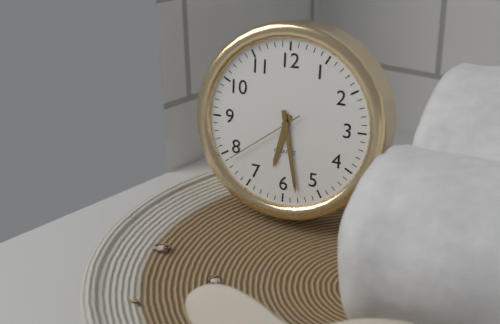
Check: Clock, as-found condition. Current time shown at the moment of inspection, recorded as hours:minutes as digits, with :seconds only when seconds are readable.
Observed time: 6:28:39
